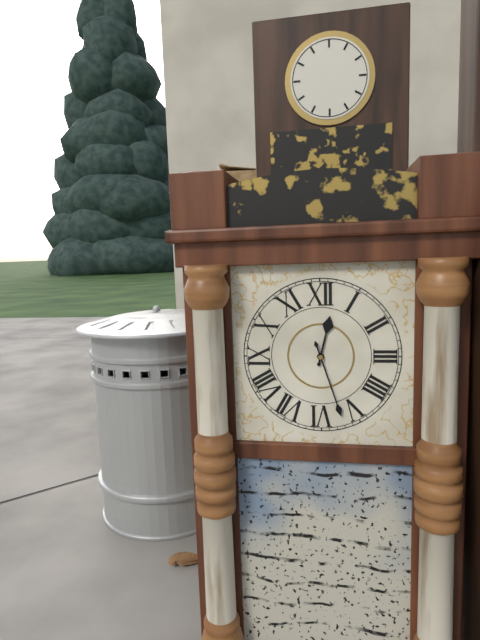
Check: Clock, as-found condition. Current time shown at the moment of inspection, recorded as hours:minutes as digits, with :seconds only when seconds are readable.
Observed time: 12:27
